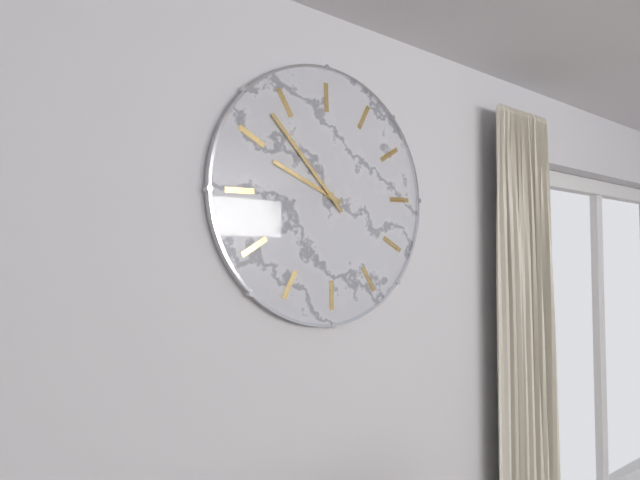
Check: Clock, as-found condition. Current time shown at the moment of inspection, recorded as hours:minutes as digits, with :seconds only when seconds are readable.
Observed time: 8:48
